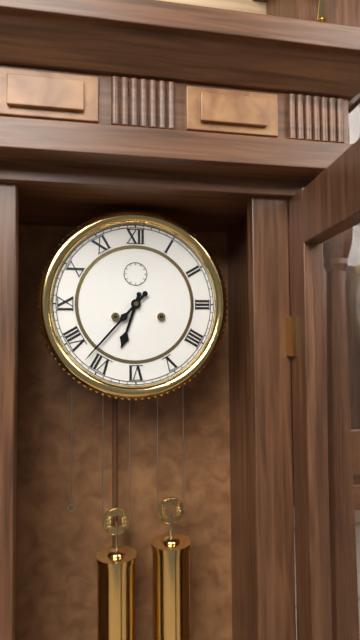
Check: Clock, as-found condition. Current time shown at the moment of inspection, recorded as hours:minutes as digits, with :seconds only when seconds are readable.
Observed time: 6:37
